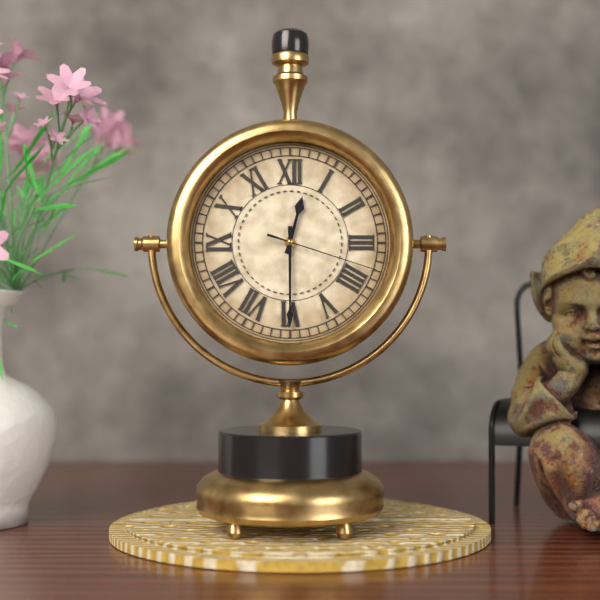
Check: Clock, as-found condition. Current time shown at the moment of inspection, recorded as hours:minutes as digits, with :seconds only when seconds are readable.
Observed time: 12:30:18
